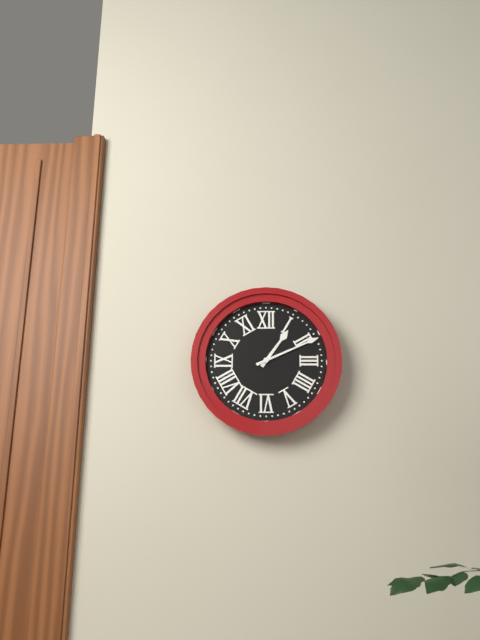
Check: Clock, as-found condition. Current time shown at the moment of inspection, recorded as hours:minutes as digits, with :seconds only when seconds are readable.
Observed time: 1:11
